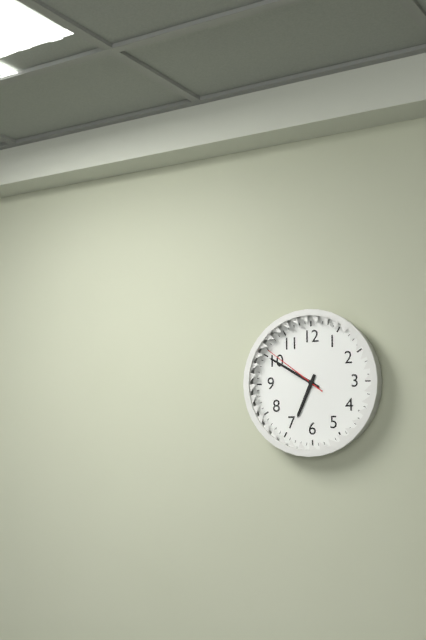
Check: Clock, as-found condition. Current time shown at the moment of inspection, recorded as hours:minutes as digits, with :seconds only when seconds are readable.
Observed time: 6:50:51
